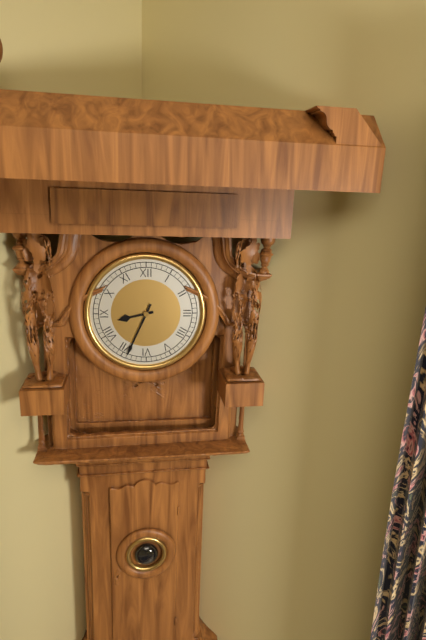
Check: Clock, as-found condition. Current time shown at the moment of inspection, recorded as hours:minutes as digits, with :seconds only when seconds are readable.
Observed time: 8:34
